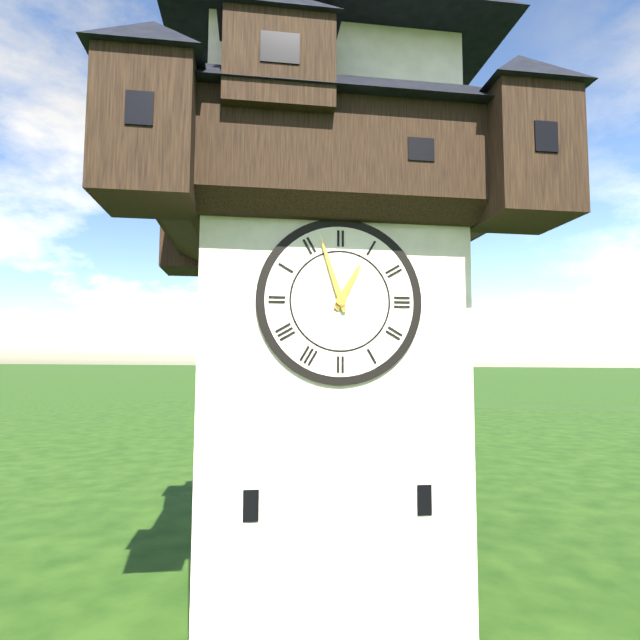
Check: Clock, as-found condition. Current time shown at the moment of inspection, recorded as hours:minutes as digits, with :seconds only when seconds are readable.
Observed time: 12:57
